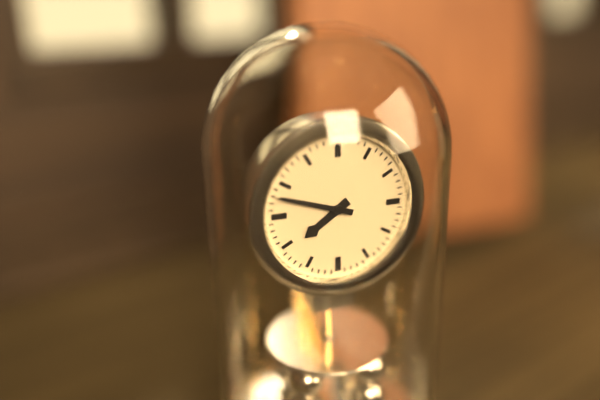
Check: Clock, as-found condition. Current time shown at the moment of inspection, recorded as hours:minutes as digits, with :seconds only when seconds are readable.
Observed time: 7:48
